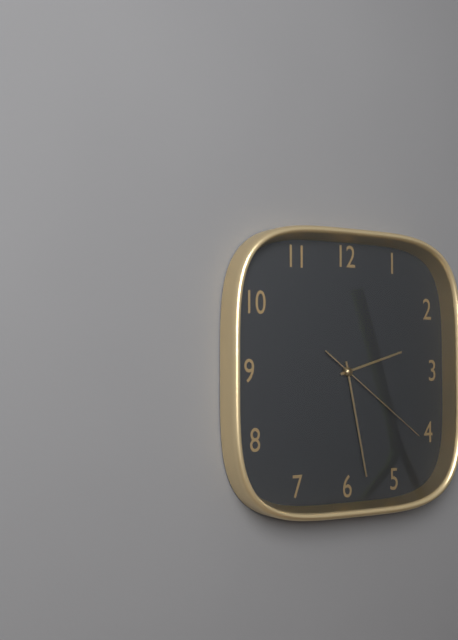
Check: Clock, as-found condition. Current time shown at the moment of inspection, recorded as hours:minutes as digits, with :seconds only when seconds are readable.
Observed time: 2:28:21
